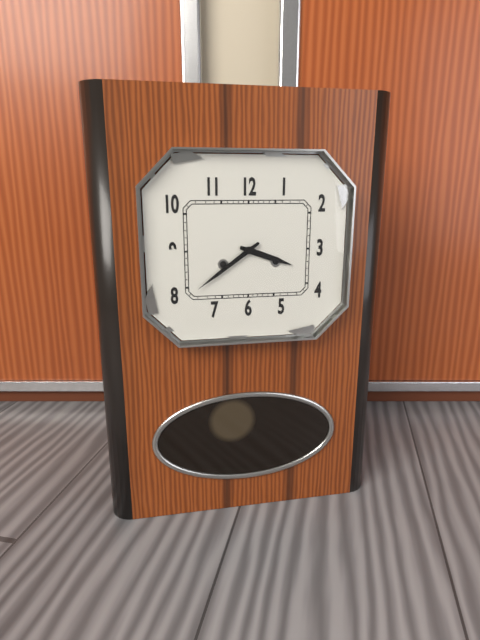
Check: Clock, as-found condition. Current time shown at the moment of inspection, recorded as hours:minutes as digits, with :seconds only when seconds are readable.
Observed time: 3:39
